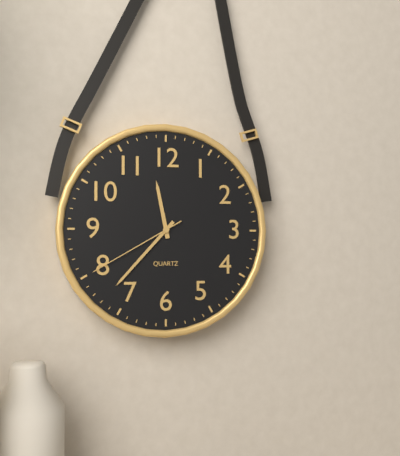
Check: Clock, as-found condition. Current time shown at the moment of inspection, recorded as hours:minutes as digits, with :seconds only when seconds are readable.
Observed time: 11:37:40
